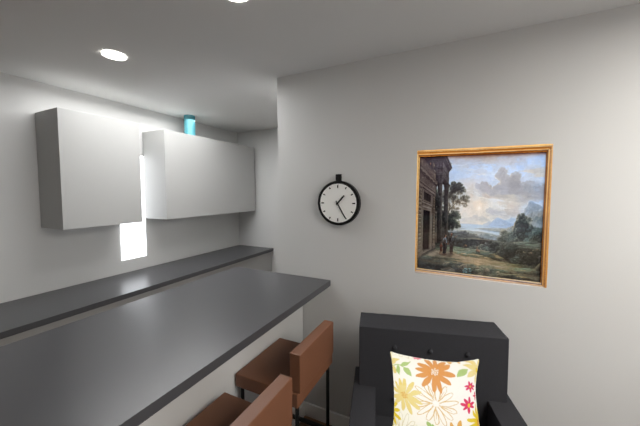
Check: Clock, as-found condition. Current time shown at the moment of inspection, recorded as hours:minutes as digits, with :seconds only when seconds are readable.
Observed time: 1:25
